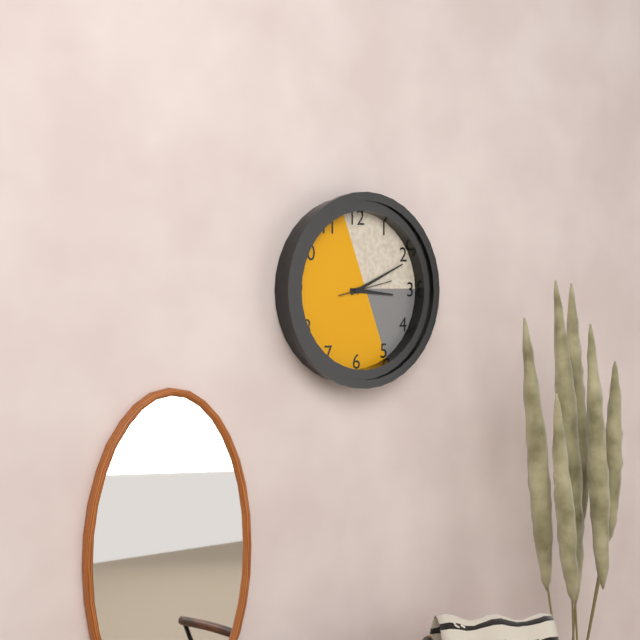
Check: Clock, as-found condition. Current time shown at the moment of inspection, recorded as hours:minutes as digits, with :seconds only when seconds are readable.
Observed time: 3:11
